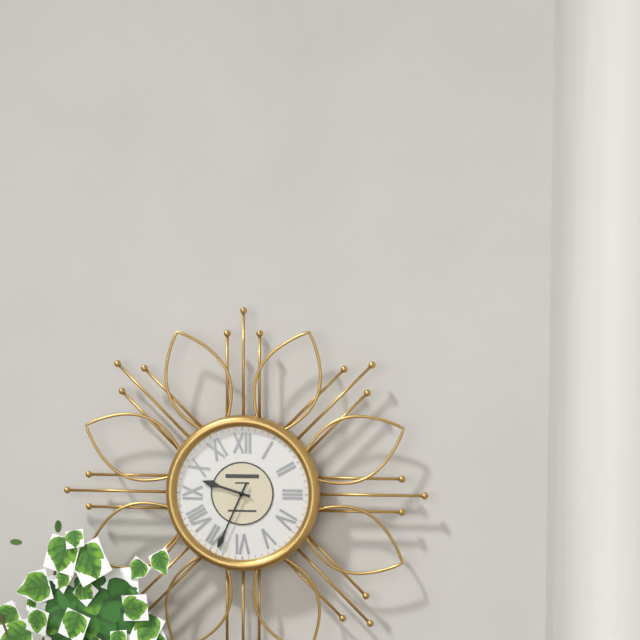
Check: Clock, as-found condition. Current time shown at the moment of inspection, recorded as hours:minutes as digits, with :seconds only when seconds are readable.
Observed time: 9:34
